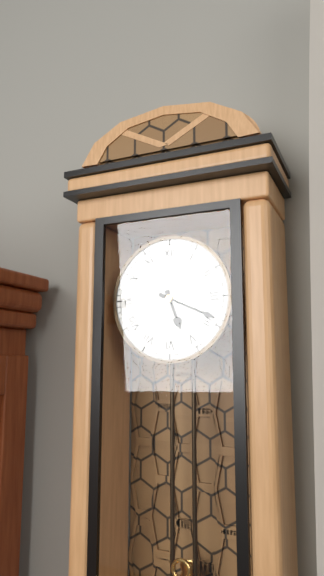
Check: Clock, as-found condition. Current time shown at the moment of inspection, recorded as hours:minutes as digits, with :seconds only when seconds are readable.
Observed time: 5:19
